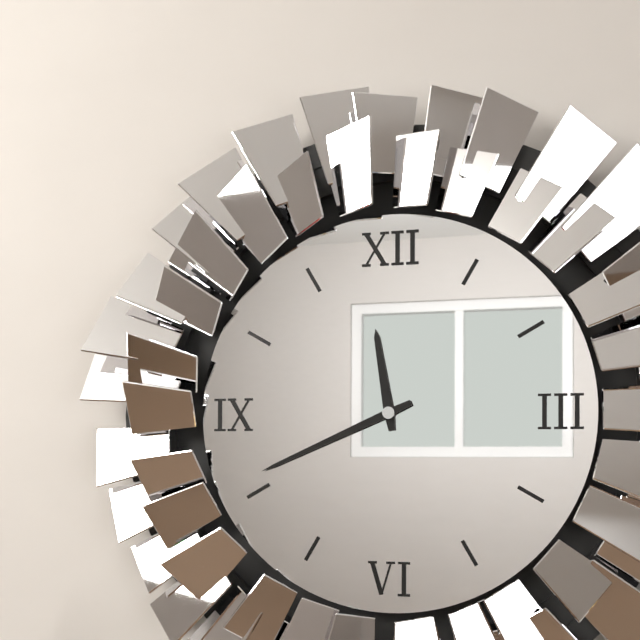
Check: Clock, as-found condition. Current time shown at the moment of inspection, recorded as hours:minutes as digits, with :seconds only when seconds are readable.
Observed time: 11:41
